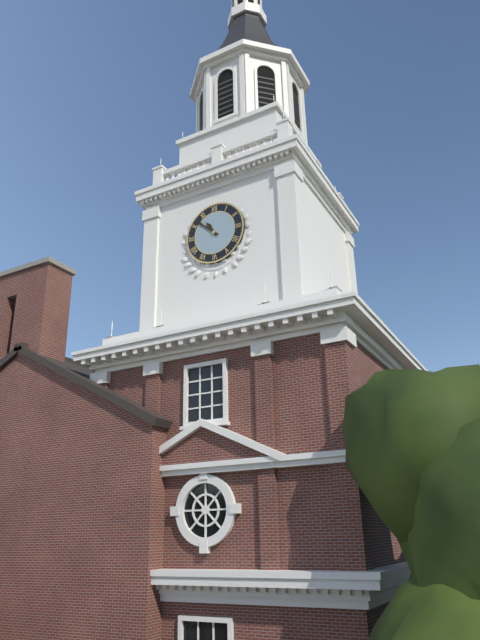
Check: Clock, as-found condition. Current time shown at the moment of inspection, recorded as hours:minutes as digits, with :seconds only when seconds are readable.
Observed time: 10:52
